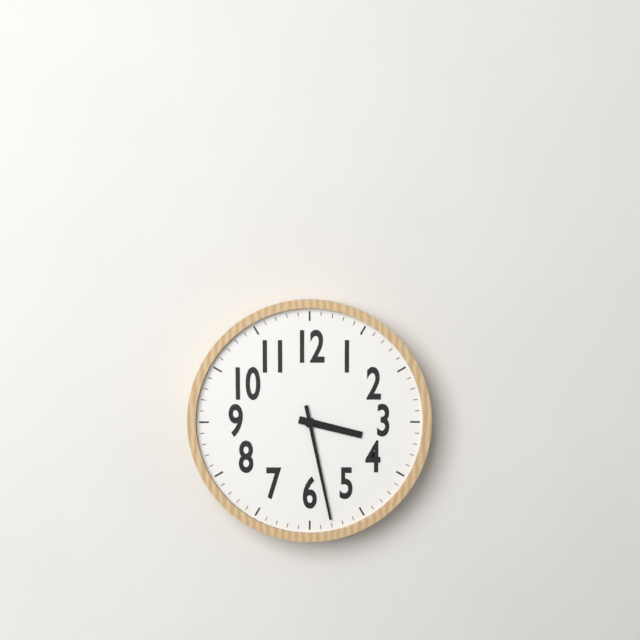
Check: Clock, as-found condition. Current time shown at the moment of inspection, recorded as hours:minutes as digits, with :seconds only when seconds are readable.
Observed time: 3:28
